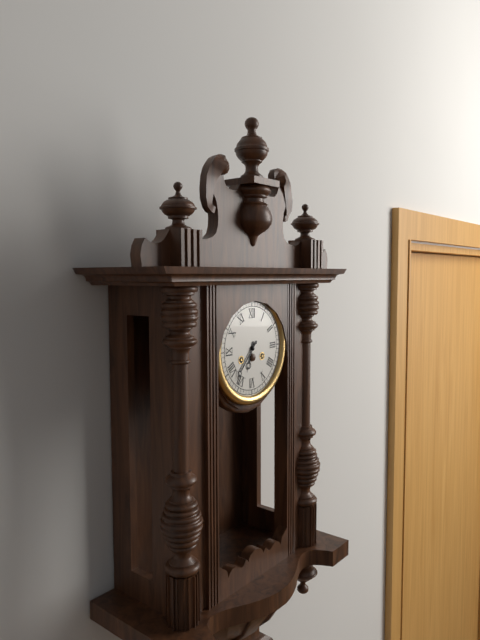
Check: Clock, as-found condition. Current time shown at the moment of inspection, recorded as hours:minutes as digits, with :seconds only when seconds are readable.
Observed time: 6:37
